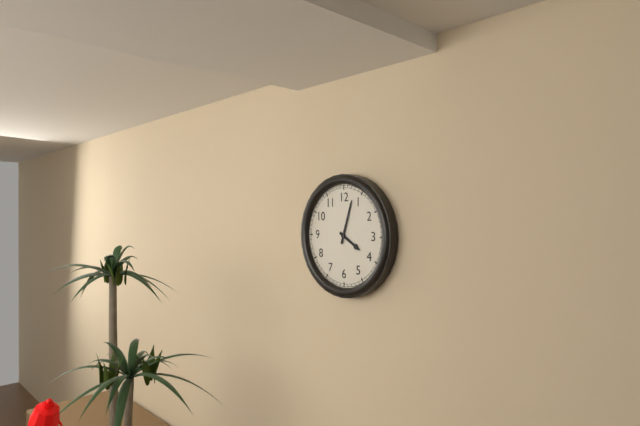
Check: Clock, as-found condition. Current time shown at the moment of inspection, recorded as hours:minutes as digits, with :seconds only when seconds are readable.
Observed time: 4:03
